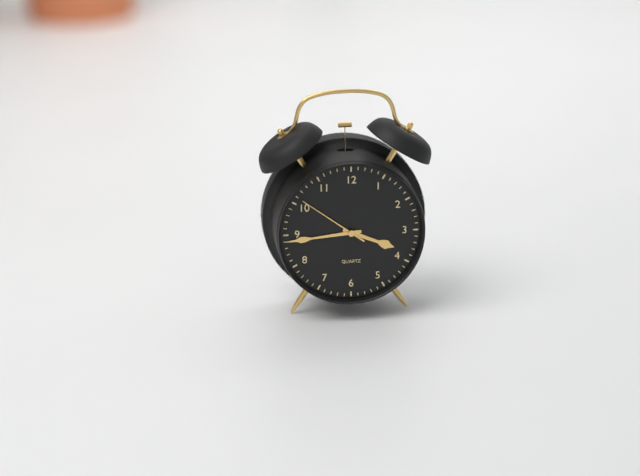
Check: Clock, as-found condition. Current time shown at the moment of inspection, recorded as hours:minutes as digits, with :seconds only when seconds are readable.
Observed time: 3:44:51
